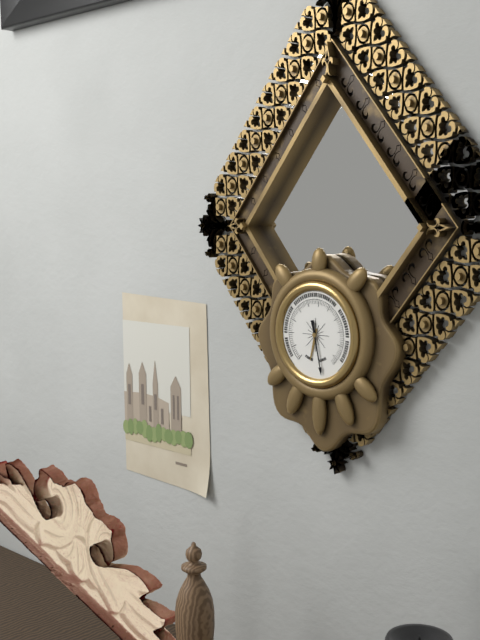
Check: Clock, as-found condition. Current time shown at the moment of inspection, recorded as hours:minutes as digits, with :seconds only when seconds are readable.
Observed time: 6:28
